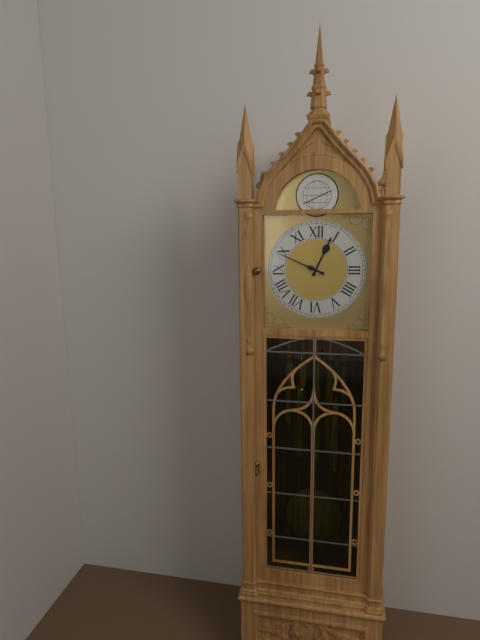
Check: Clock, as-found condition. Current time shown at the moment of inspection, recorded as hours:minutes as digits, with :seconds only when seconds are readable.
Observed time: 12:49
